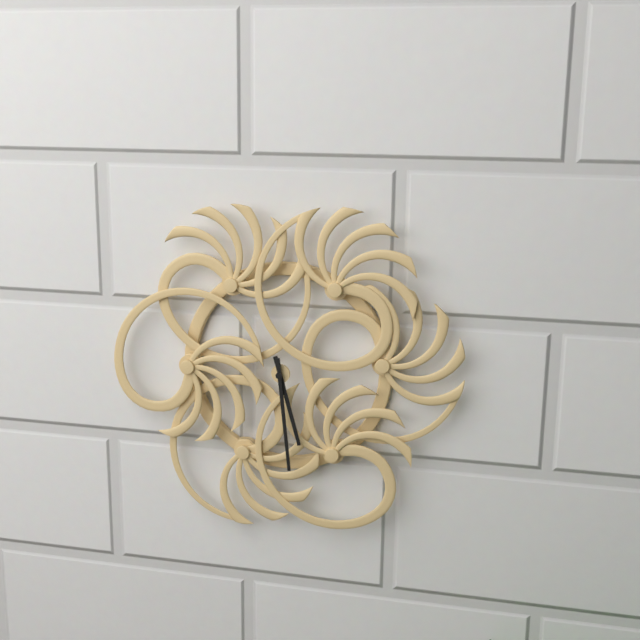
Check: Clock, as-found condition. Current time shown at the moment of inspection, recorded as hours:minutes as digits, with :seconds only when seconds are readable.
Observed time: 5:29
